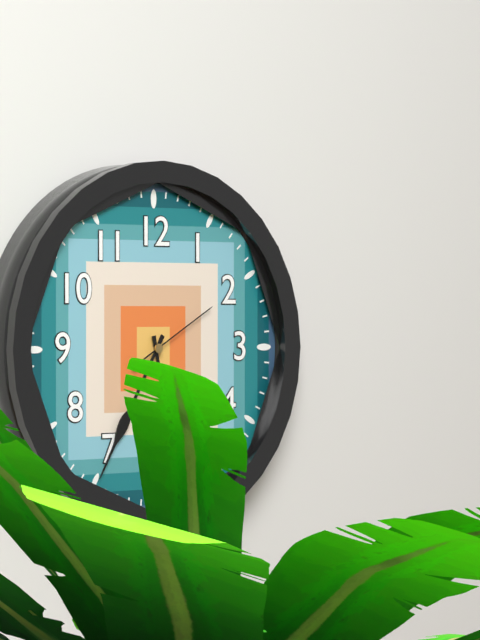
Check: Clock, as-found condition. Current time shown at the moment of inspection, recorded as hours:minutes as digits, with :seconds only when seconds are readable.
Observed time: 5:35:10
